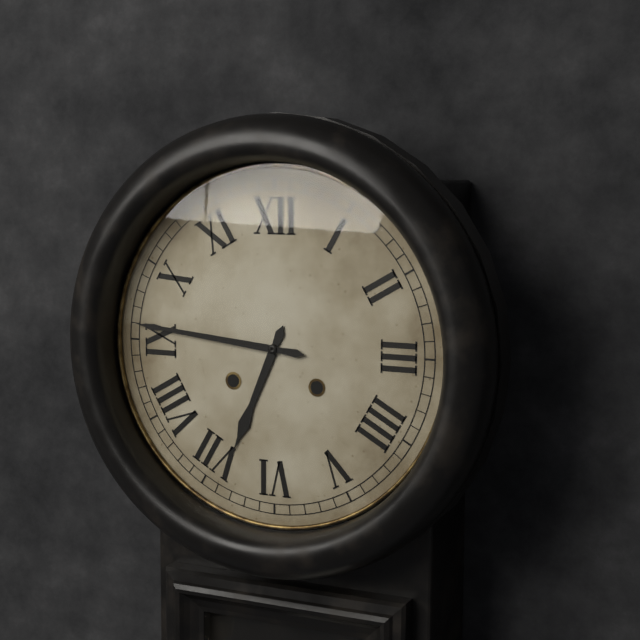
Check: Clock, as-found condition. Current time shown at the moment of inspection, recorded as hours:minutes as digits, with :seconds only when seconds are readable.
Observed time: 6:46
